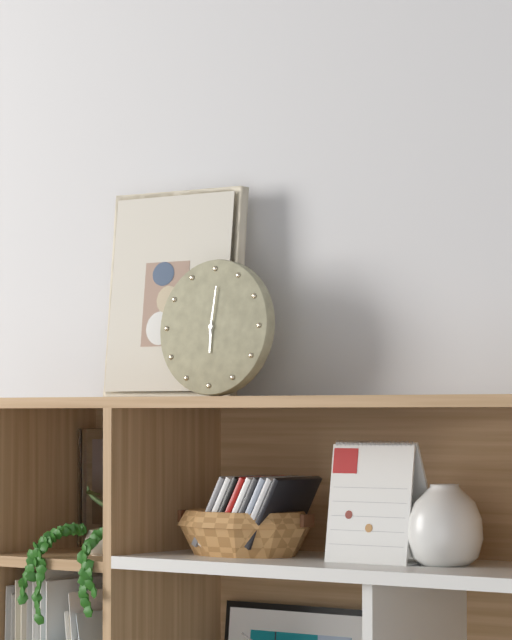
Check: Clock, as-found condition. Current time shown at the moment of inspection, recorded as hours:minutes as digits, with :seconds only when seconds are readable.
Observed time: 6:01
